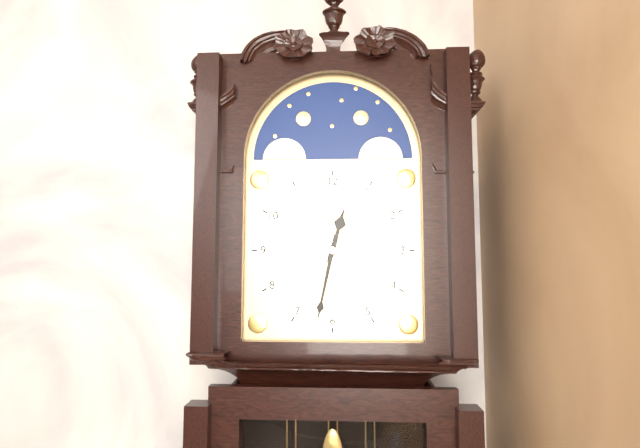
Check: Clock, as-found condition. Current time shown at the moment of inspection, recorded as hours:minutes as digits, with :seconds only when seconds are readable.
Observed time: 12:32
